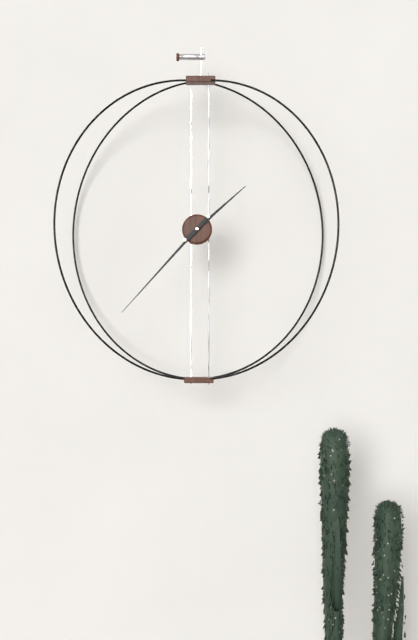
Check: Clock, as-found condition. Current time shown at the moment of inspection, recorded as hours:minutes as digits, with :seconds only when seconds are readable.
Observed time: 1:37
